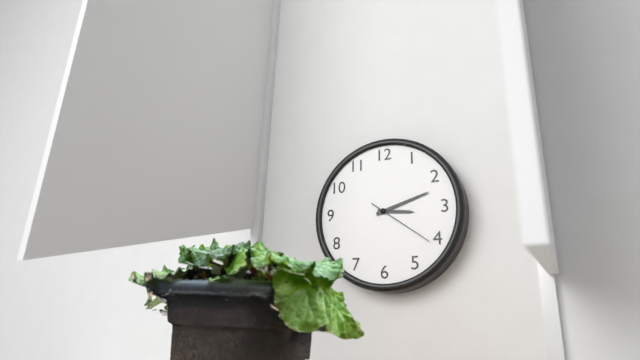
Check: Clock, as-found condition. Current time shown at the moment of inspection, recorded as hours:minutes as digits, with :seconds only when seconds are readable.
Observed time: 3:12:21
